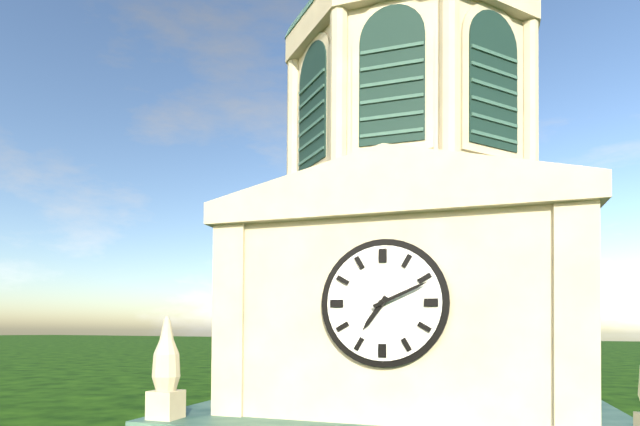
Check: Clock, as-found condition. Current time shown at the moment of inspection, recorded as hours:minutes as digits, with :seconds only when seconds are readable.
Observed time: 7:11
